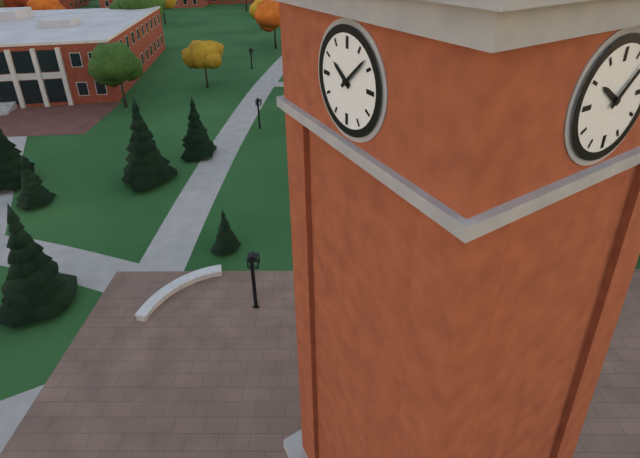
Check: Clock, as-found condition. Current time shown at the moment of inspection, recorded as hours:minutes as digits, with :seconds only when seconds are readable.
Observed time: 10:08
